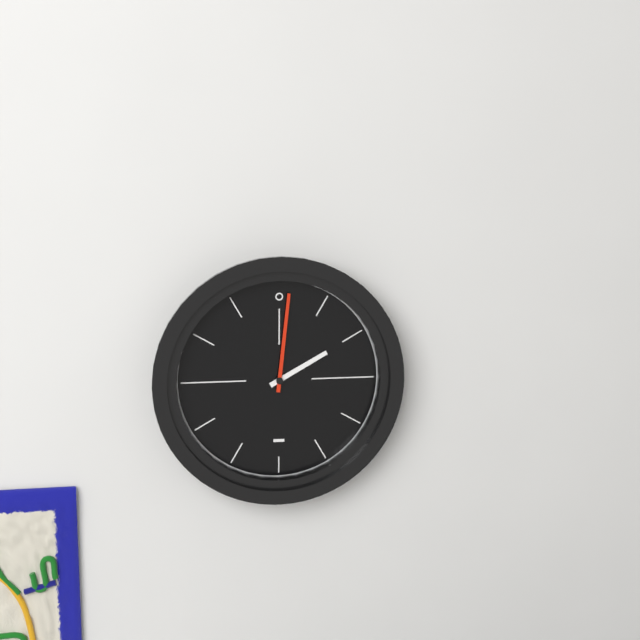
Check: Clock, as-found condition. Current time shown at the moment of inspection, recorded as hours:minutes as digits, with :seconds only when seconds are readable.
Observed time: 2:01
